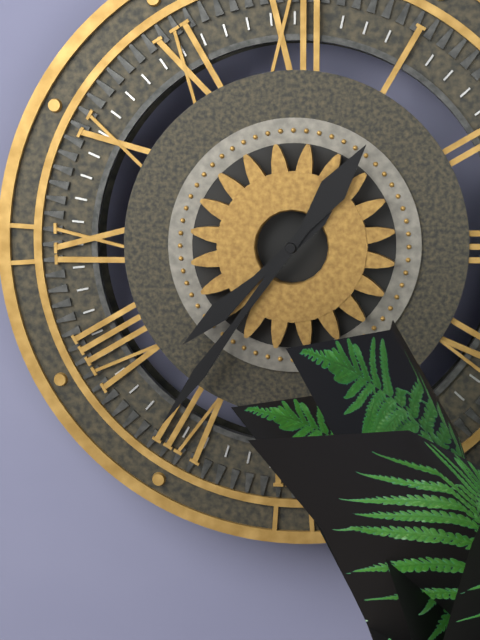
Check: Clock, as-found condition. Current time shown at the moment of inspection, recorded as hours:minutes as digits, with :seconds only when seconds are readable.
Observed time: 7:36
